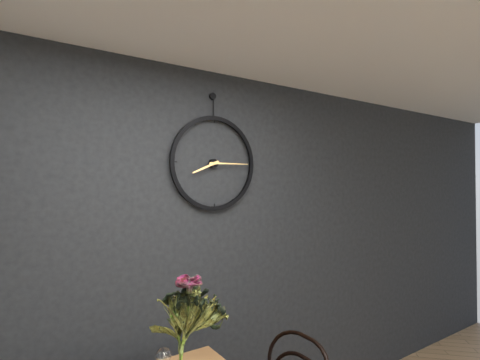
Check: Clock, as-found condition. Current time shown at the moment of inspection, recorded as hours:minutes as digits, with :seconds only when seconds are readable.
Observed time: 8:15
